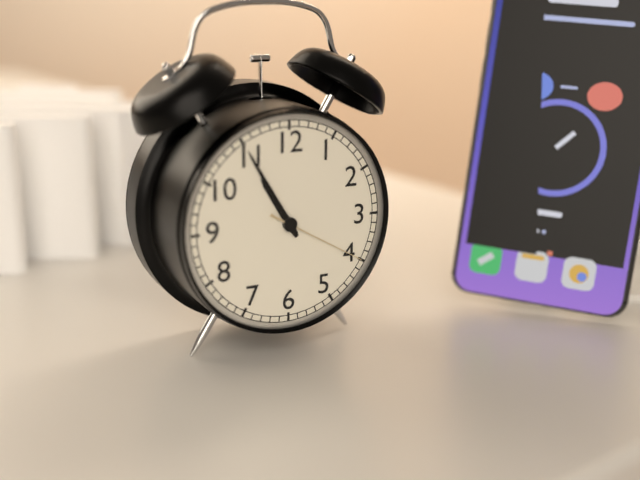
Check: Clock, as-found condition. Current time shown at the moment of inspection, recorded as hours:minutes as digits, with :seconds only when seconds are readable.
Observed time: 10:55:20
